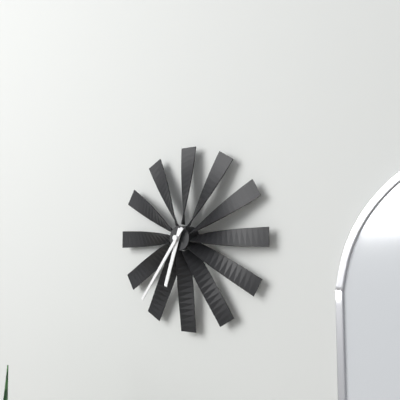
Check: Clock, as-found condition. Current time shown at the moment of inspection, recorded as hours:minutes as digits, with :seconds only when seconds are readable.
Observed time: 6:36
